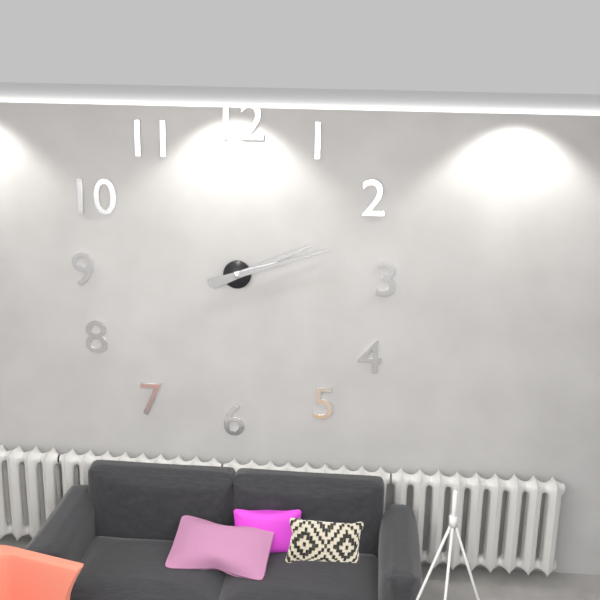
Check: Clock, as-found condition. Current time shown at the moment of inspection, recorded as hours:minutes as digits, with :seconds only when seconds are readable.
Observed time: 2:12
